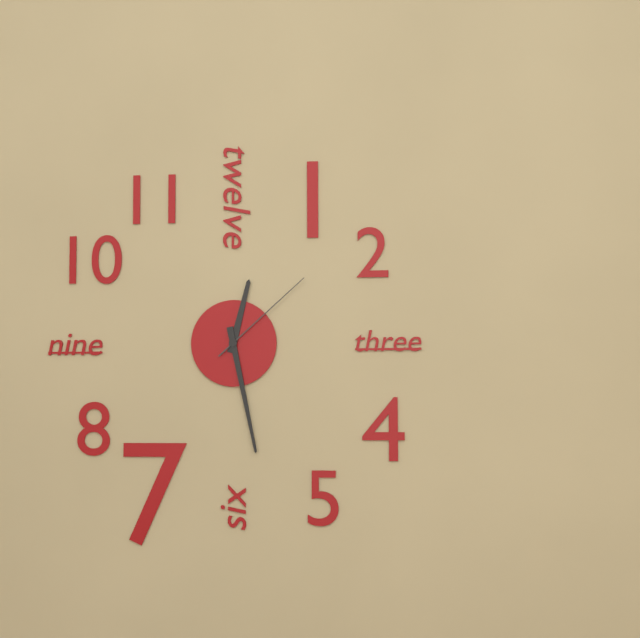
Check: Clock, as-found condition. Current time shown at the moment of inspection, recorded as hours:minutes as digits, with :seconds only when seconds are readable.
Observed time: 12:28:08
